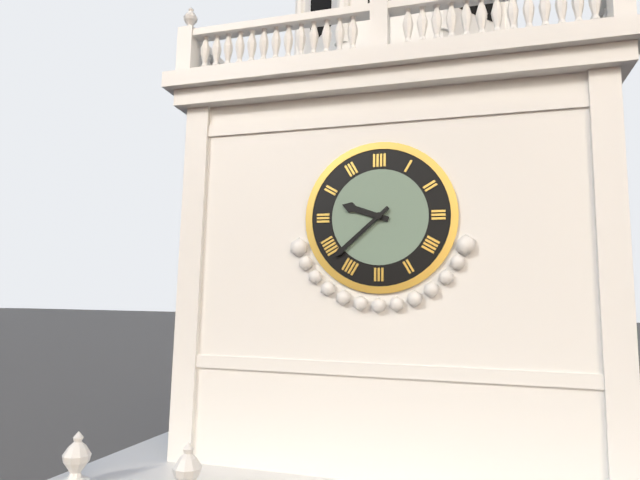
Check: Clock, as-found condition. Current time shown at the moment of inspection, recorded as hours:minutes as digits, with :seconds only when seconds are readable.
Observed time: 9:38
